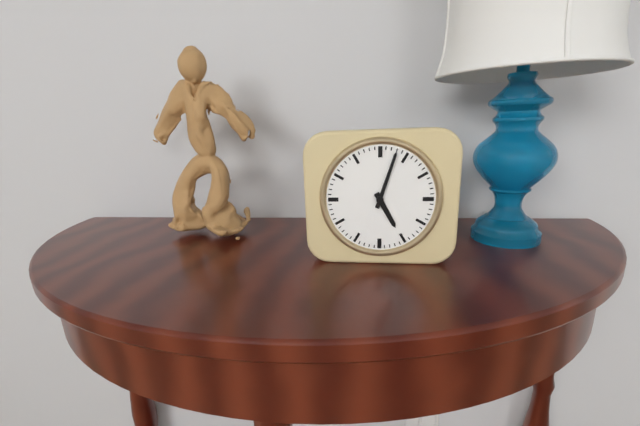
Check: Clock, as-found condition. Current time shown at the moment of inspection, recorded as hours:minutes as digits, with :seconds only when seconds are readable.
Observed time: 5:03
